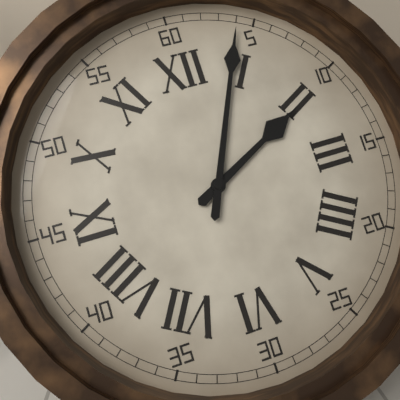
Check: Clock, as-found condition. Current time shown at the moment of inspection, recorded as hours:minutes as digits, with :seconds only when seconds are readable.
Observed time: 2:04
